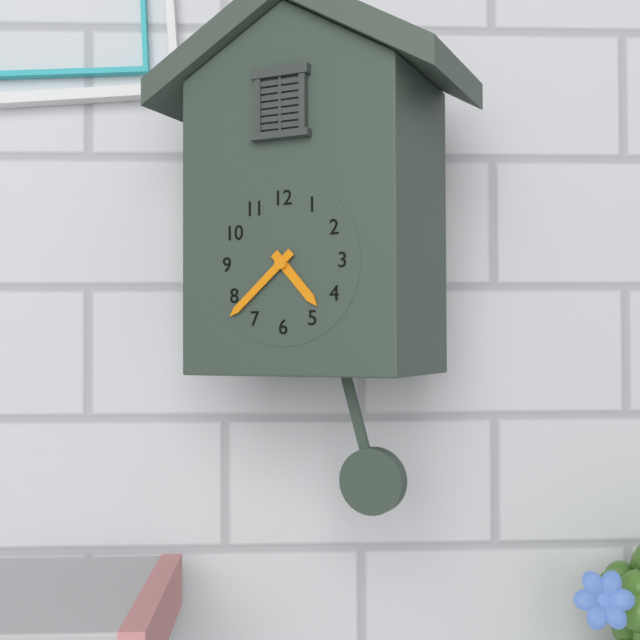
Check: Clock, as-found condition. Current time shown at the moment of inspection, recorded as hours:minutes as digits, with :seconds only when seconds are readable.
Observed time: 4:38
